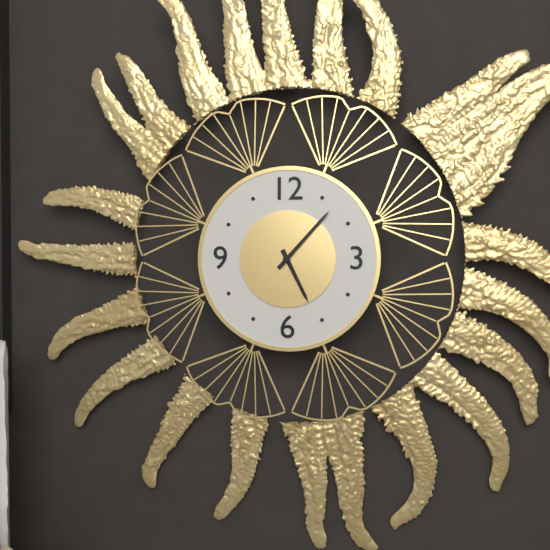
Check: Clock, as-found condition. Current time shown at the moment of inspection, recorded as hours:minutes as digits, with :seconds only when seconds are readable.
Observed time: 5:07
